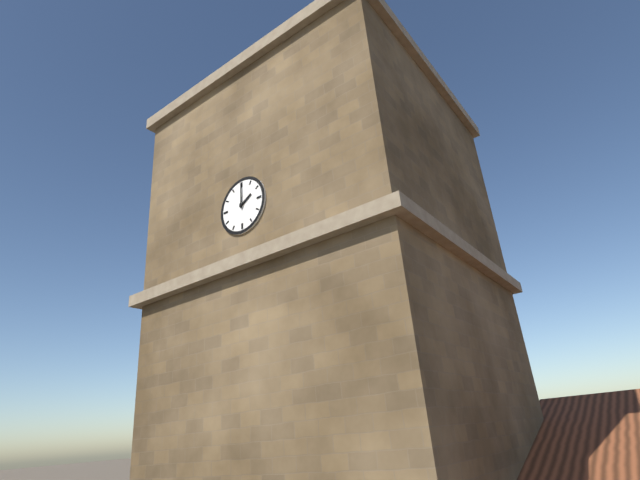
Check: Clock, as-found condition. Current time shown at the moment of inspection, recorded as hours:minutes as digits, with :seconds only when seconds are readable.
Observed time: 2:00
